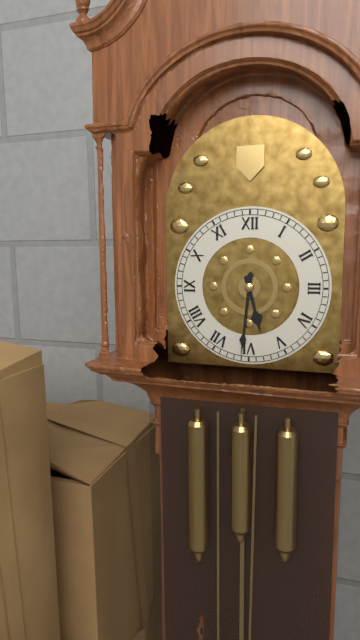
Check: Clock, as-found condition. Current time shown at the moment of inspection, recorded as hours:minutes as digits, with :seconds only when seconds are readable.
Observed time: 5:31
